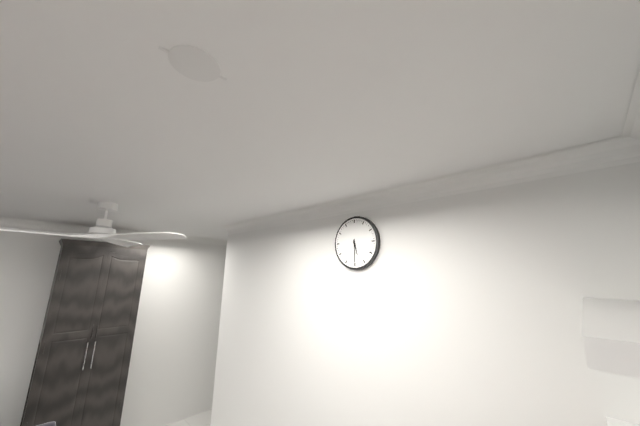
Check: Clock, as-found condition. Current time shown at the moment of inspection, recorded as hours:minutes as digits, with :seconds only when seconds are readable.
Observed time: 5:30
